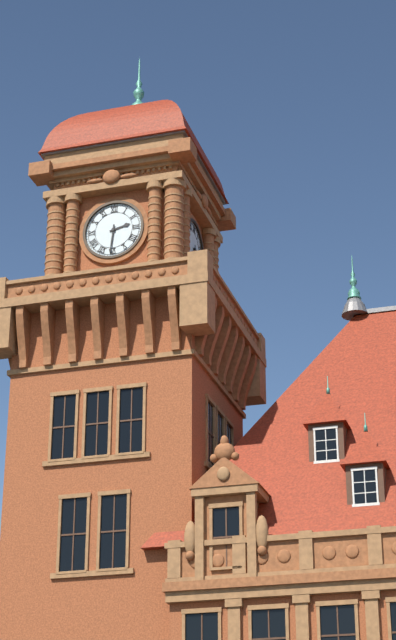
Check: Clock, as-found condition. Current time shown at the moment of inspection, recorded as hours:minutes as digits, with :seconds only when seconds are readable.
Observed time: 2:31
